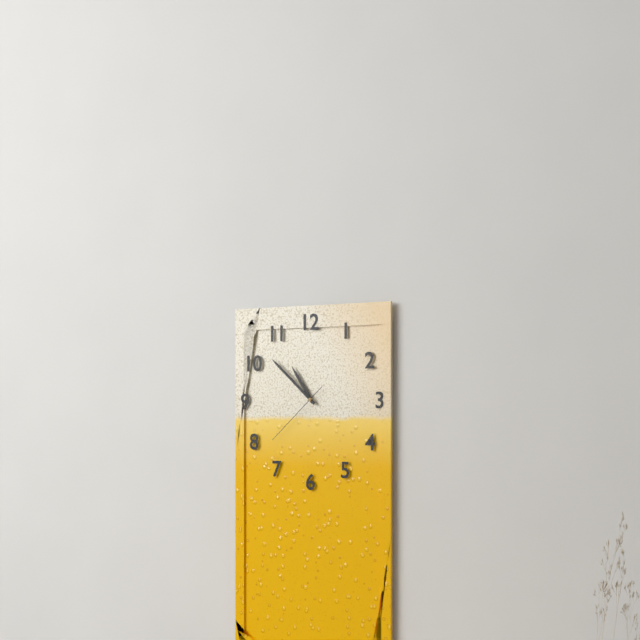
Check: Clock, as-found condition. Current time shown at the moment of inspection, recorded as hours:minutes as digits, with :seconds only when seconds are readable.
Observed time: 10:52:38
